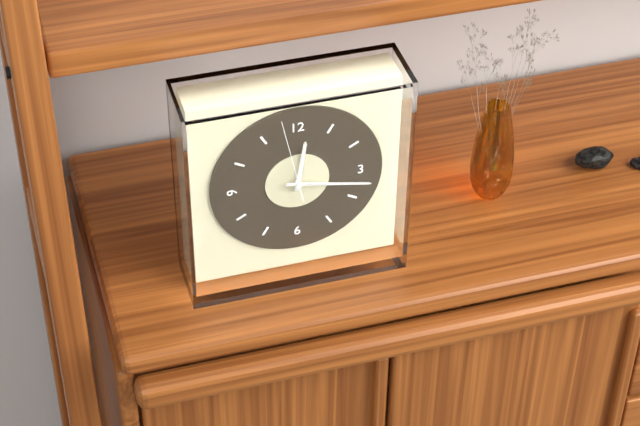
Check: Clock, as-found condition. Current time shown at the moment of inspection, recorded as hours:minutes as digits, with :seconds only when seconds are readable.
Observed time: 12:17:58
